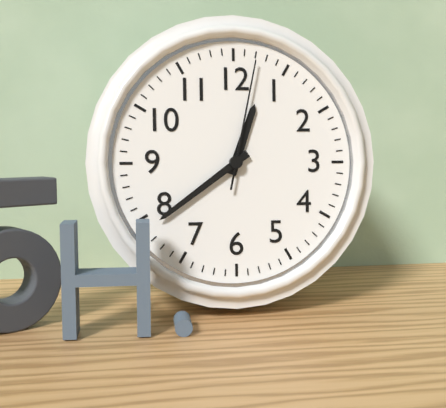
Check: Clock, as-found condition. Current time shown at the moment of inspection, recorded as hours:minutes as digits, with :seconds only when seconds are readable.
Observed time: 12:39:02
